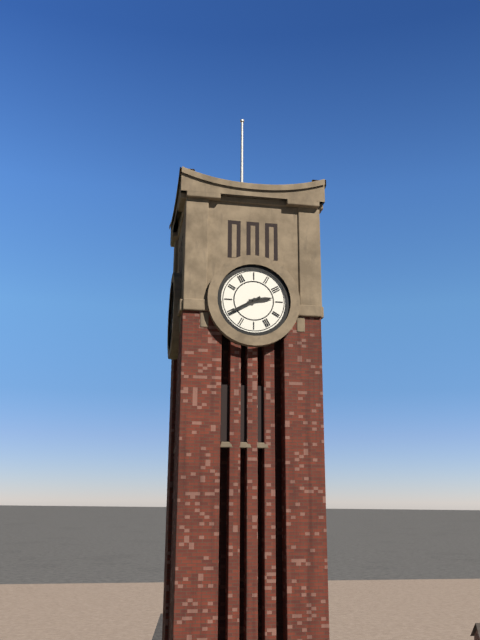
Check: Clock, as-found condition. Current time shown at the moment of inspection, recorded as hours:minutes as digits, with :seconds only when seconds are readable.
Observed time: 2:40
